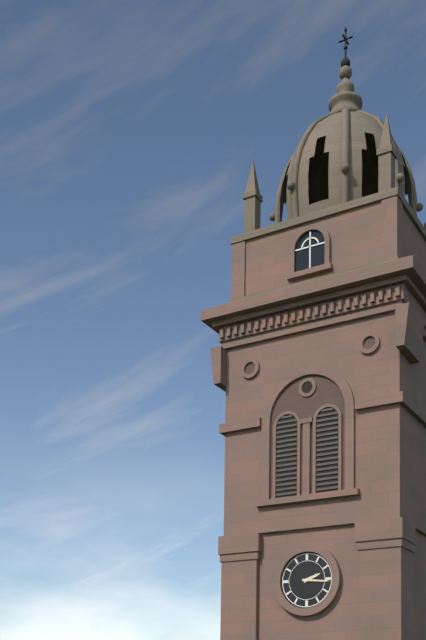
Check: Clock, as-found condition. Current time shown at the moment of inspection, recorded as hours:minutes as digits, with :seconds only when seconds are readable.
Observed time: 2:16
